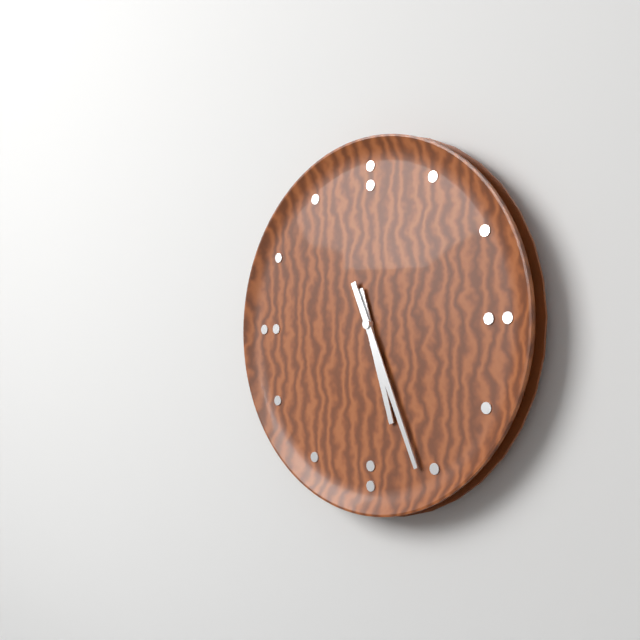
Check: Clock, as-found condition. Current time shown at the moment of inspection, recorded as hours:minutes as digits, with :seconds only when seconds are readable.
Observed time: 5:26
